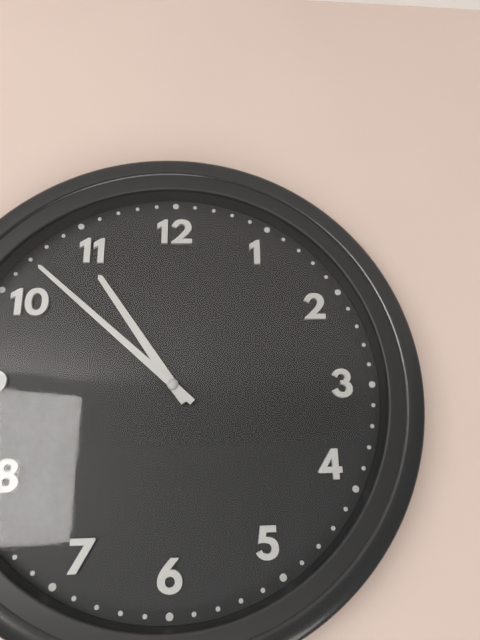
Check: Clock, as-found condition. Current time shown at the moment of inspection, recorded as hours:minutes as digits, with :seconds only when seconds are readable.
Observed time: 10:52
